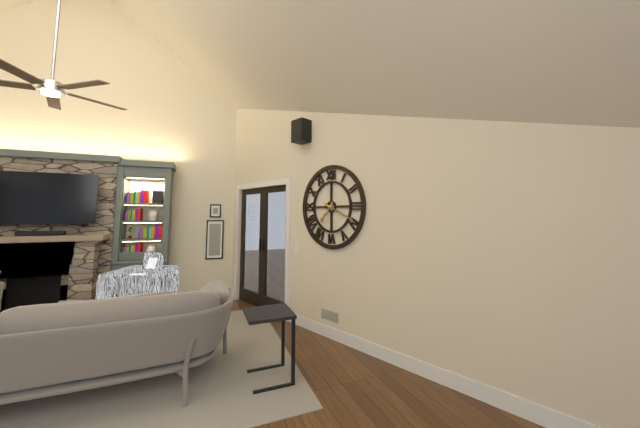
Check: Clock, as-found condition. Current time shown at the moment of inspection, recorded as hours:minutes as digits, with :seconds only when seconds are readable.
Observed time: 7:19
